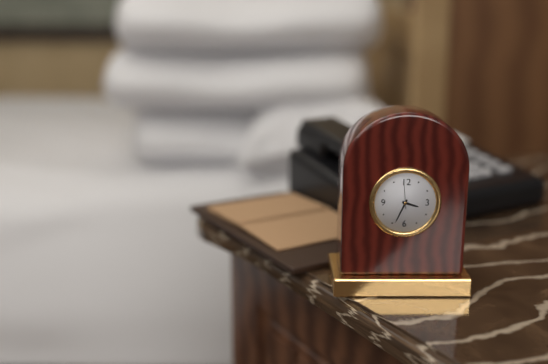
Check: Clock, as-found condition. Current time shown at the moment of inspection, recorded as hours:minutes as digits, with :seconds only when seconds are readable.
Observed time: 3:34
